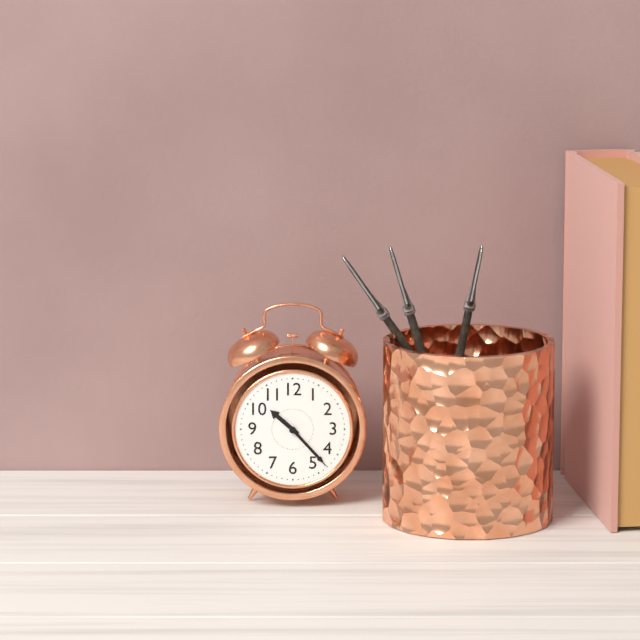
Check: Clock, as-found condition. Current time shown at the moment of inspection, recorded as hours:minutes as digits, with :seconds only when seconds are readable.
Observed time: 10:23:23
